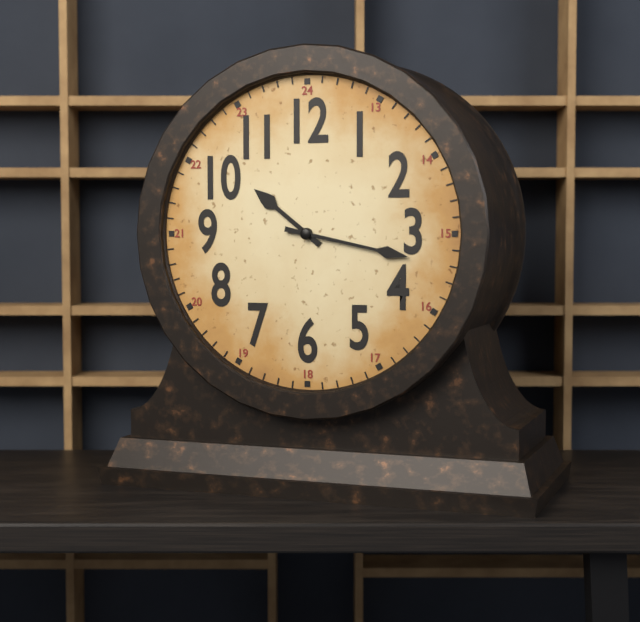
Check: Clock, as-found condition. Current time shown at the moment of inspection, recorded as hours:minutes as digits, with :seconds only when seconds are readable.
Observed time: 10:17
